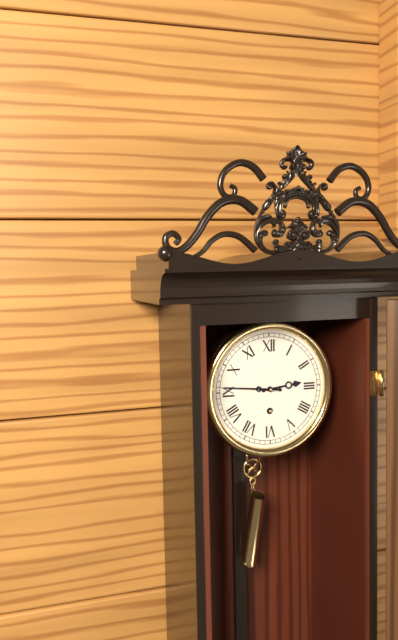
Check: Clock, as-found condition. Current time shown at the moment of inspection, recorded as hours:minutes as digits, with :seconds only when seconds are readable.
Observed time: 2:46
